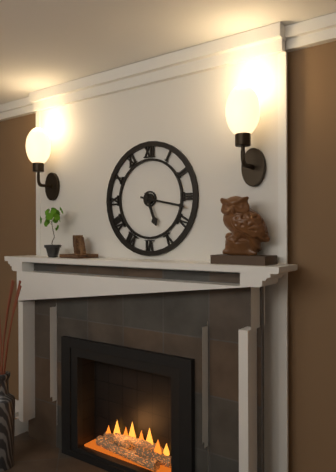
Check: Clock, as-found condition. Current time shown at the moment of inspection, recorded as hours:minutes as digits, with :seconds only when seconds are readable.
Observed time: 5:17
